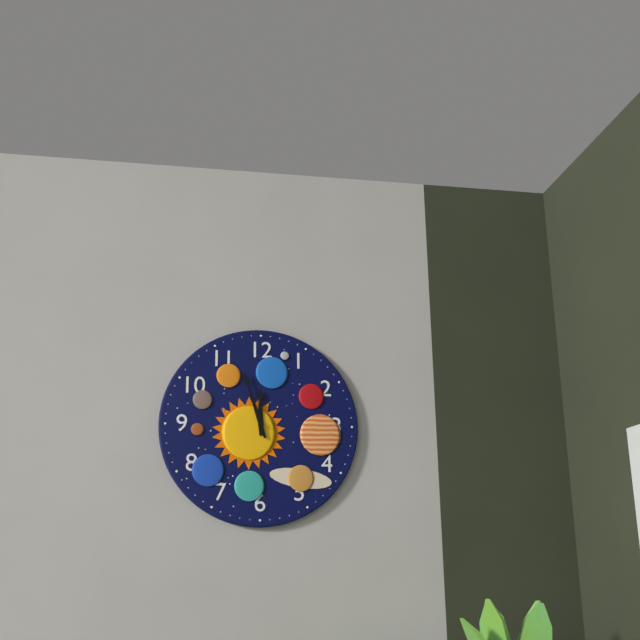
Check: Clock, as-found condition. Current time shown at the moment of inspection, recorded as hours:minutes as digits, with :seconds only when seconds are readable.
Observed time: 11:57
